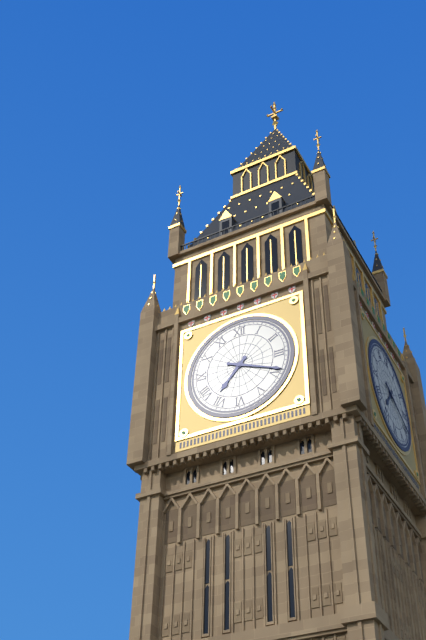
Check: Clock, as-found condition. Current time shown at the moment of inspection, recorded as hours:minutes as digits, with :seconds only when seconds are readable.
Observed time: 7:19
